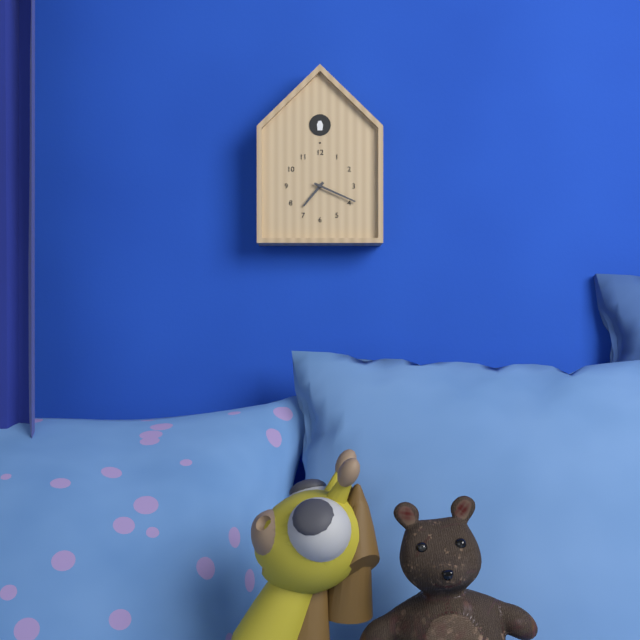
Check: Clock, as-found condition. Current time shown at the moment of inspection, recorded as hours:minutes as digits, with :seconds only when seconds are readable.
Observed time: 7:19
